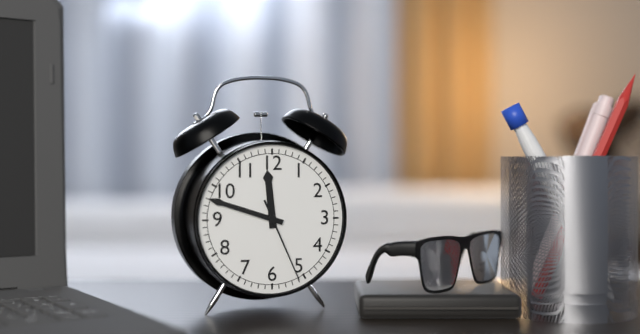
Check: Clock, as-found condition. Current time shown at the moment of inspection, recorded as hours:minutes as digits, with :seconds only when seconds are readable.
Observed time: 11:48:26
